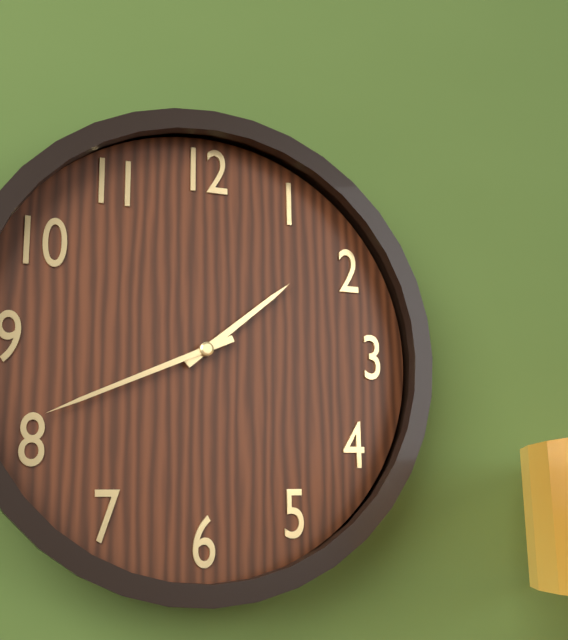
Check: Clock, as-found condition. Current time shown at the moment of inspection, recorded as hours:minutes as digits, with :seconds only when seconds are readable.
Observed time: 1:41
